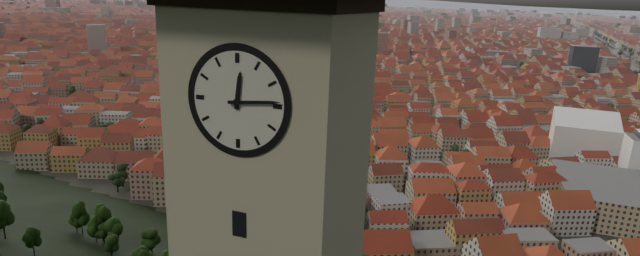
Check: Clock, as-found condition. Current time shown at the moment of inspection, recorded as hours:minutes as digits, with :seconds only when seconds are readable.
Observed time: 12:14
